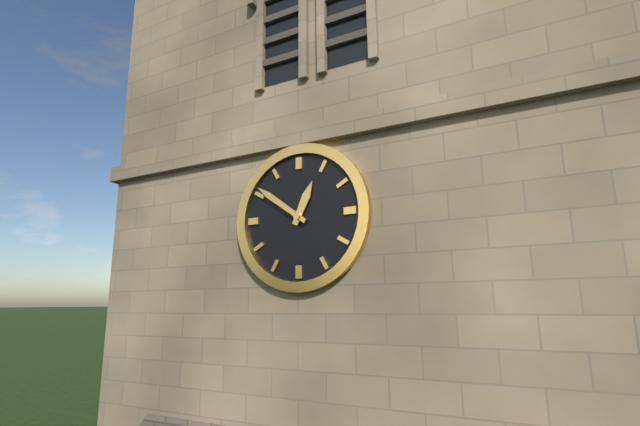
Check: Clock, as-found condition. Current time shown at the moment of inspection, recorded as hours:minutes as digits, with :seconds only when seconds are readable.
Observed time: 12:51
